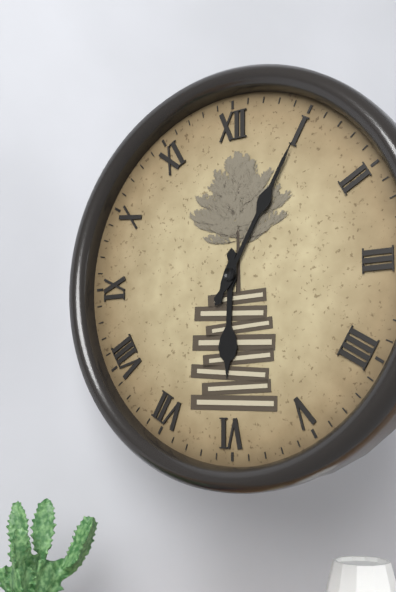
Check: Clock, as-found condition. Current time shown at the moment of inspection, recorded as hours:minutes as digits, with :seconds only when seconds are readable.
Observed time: 6:05
